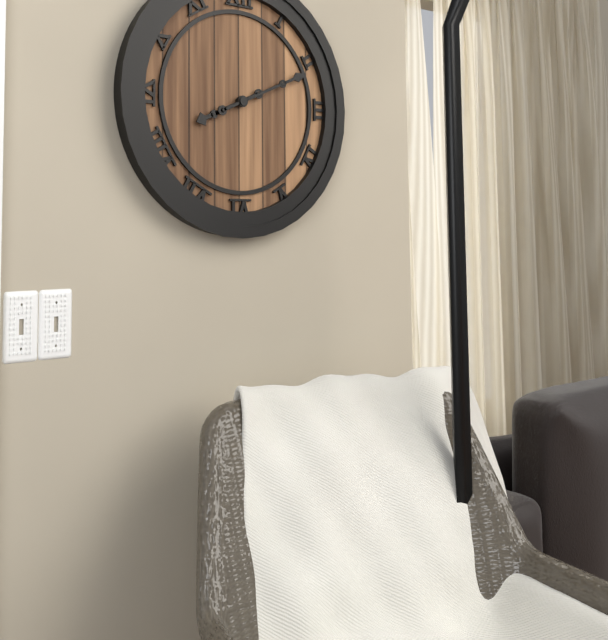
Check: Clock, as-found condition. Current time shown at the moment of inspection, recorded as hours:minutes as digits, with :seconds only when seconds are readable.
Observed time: 8:11
